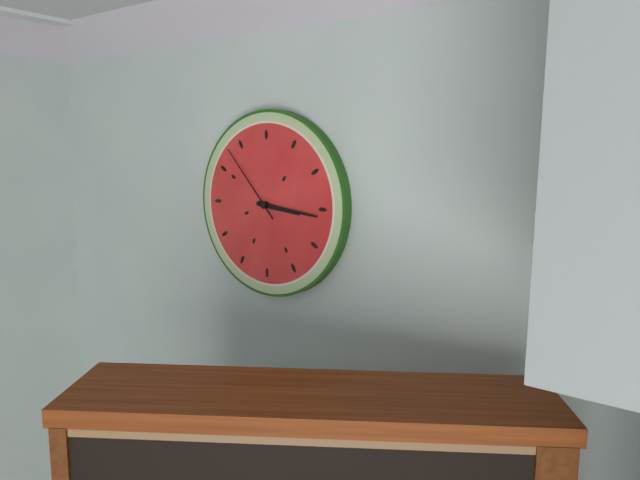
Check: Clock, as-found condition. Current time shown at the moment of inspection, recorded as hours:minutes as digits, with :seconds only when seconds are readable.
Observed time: 3:16:53
